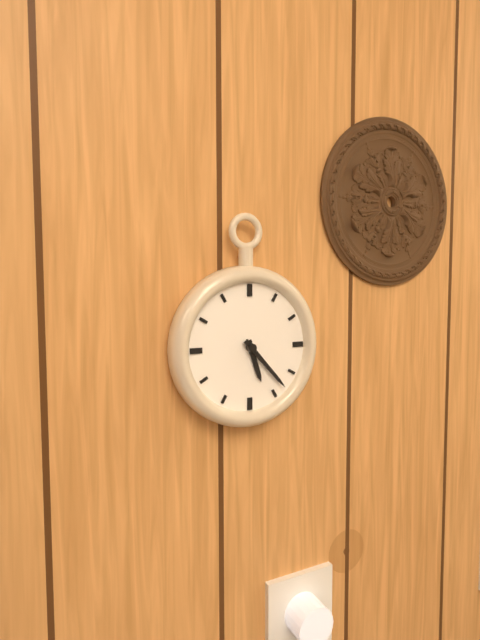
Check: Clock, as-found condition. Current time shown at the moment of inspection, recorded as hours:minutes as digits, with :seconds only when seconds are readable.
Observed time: 5:23
